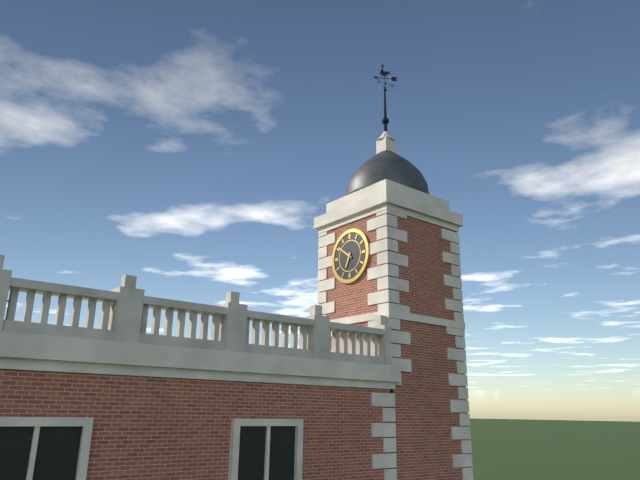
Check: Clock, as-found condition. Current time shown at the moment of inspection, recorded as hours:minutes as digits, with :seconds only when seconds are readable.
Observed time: 6:51
